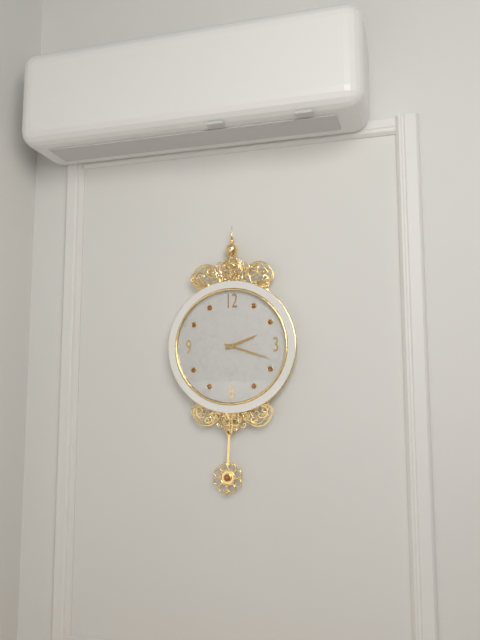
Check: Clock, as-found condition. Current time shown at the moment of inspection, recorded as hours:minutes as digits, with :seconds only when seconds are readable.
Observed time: 2:18
